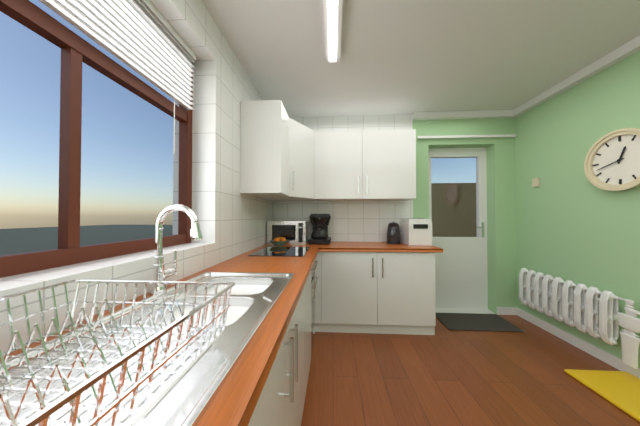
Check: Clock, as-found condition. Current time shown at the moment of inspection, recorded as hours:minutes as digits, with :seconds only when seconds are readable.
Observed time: 12:42
